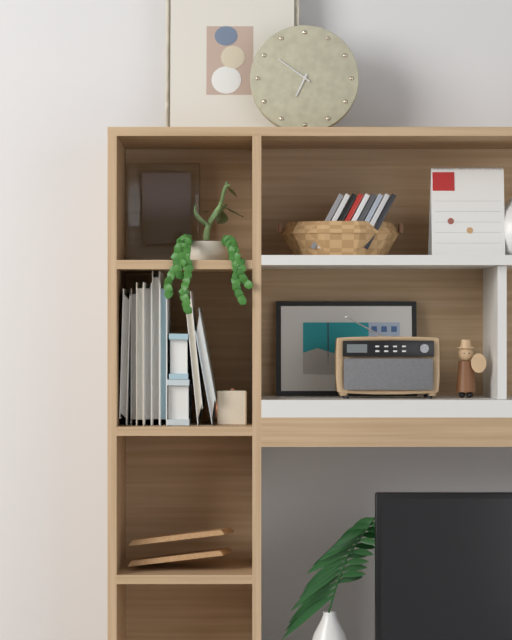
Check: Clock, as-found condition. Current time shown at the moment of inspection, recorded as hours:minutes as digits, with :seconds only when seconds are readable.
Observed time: 6:51
